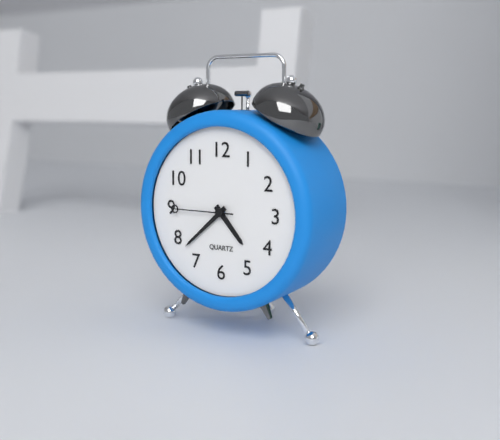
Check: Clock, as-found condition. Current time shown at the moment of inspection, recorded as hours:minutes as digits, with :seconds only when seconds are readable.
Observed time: 4:38:45
